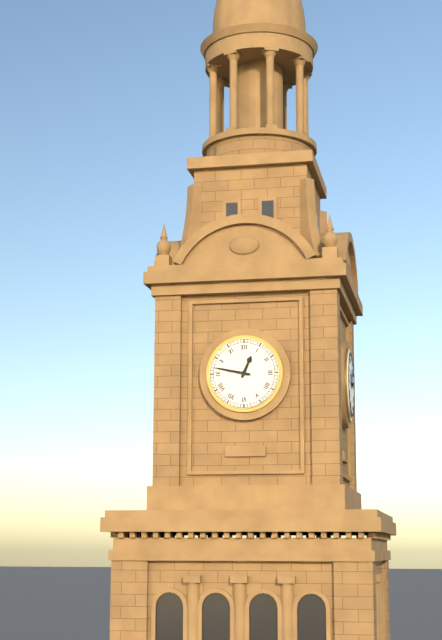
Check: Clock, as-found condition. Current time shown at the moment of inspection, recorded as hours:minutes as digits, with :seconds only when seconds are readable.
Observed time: 12:47
